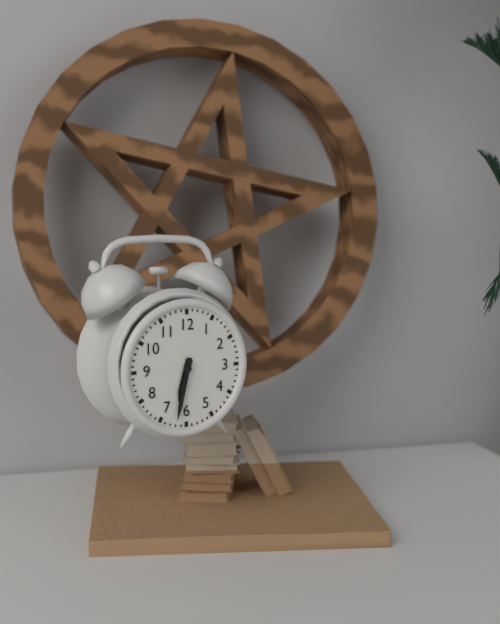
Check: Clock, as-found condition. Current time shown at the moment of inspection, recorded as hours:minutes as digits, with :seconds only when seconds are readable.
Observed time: 6:32
